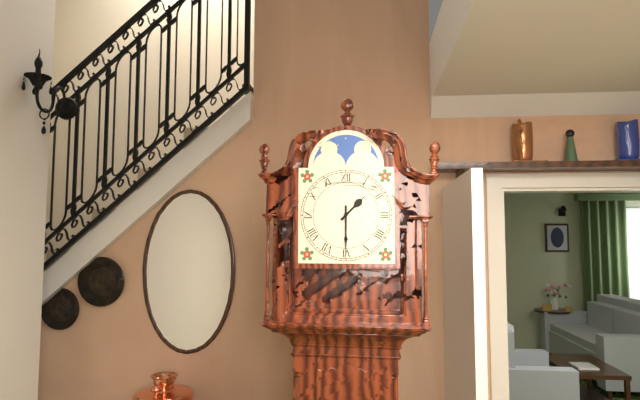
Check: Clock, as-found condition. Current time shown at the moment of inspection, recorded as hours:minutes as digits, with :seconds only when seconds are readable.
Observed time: 1:30
